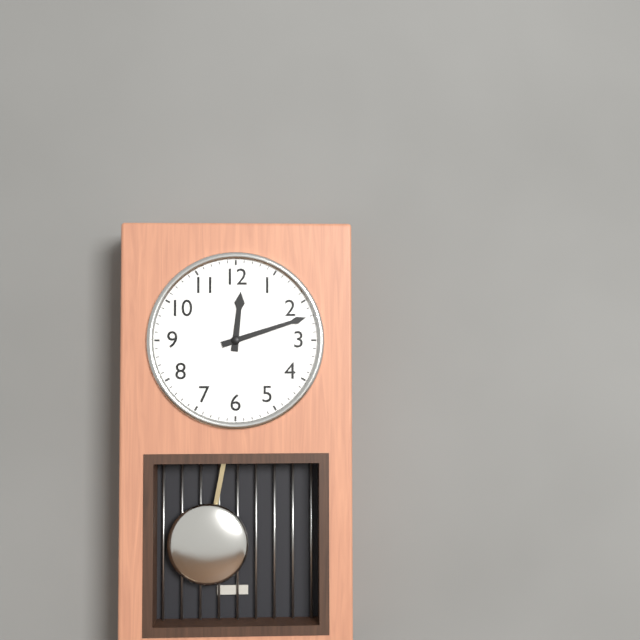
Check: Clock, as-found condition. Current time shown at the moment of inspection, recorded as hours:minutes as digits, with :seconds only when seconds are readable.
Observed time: 12:12
